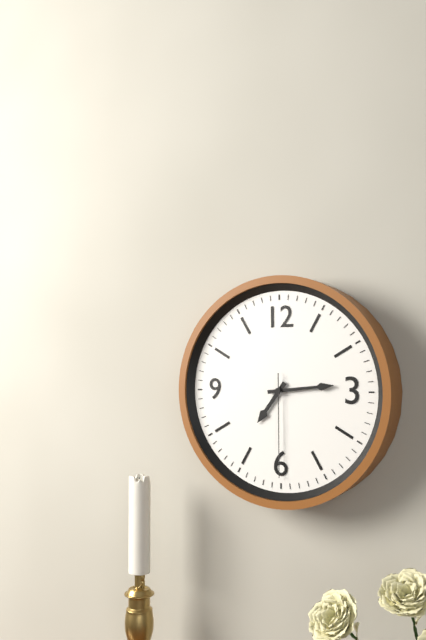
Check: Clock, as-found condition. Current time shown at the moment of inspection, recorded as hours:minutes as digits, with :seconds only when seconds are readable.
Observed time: 7:14:30
